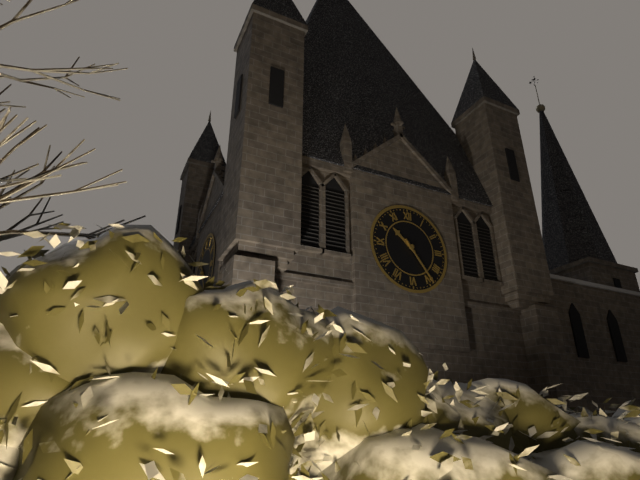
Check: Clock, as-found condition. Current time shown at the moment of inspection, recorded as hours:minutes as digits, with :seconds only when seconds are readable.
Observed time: 10:24
